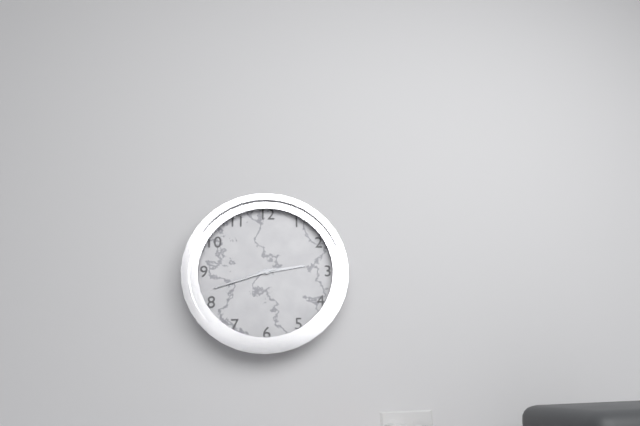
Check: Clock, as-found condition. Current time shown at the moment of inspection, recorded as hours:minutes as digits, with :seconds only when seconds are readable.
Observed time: 2:42
